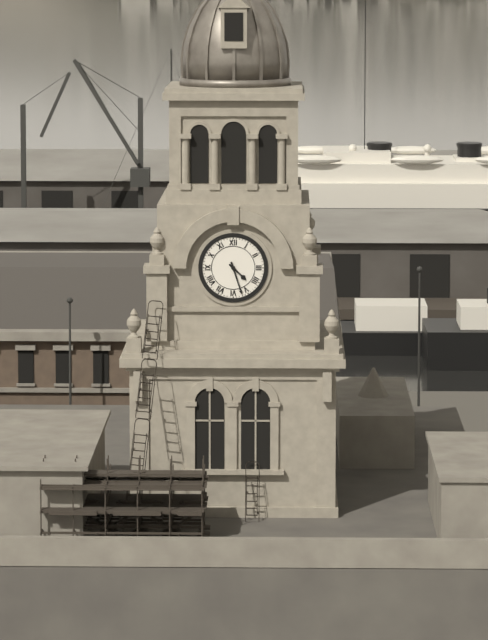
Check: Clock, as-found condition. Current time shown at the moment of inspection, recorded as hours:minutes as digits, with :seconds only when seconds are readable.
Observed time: 4:27
